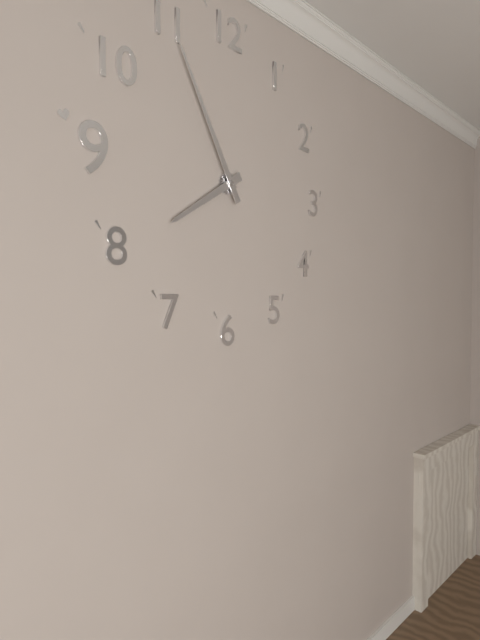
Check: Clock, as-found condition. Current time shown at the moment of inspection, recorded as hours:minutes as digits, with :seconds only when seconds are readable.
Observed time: 7:55
